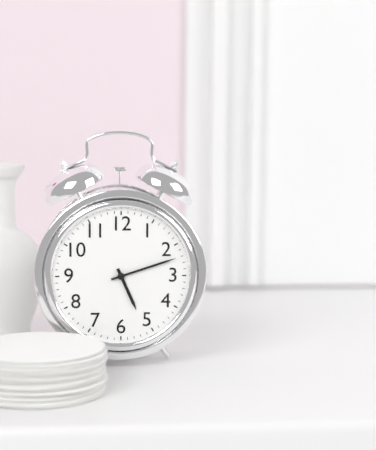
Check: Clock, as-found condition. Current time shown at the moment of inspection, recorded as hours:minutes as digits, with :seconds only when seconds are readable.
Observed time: 5:12
